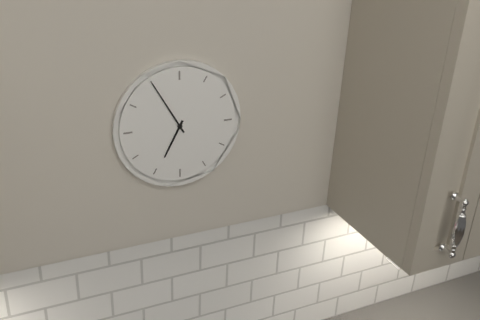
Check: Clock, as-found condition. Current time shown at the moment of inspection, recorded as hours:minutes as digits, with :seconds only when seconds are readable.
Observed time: 6:55
